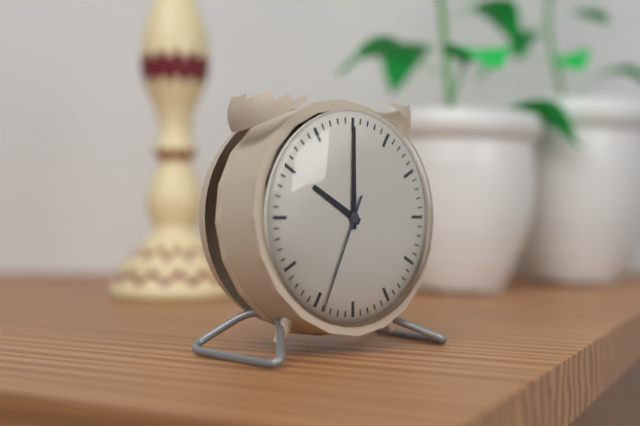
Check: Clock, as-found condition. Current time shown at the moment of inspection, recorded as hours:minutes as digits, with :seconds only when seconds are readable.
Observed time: 10:00:34
